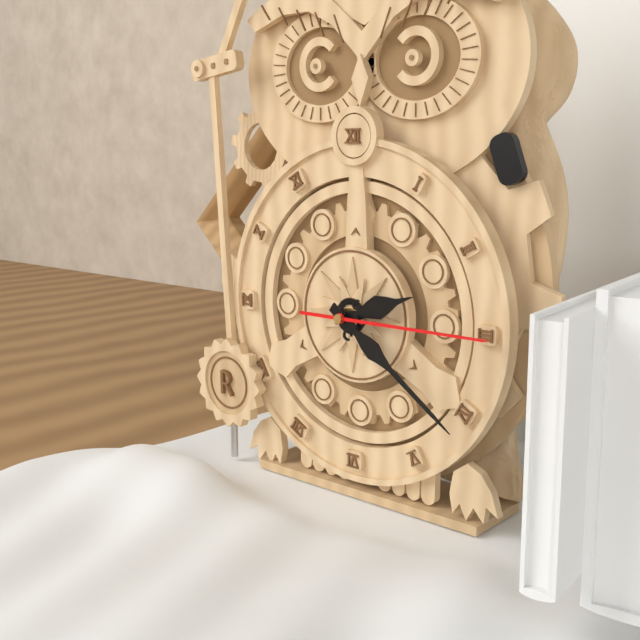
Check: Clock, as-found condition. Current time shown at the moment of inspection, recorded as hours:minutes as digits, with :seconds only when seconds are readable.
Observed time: 2:21:15
